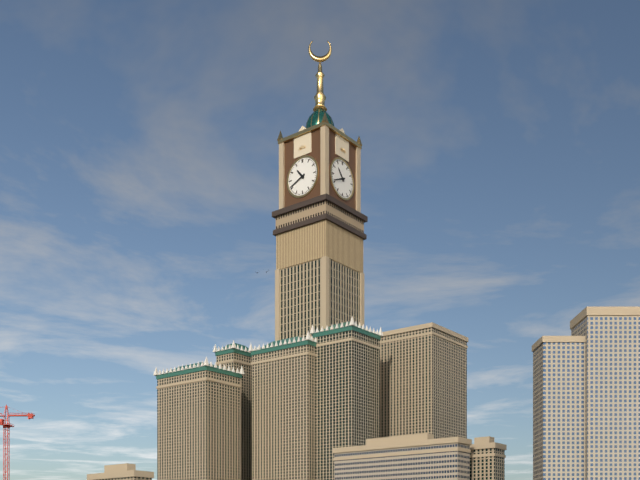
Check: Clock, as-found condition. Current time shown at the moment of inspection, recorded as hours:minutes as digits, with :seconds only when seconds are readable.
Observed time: 10:41
